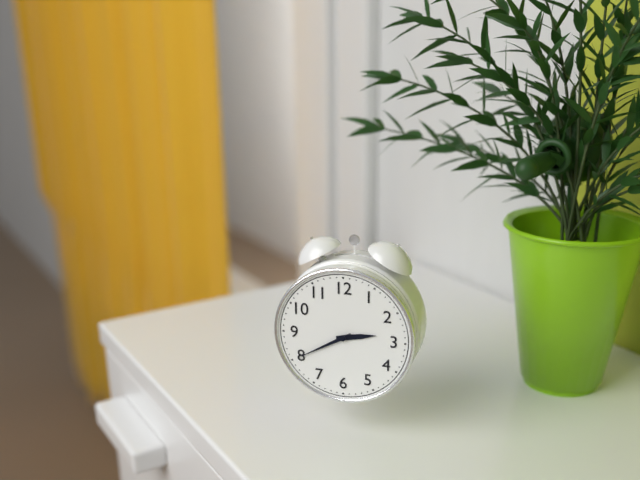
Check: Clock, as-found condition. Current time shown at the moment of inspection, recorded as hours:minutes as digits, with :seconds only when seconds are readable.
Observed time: 2:40
